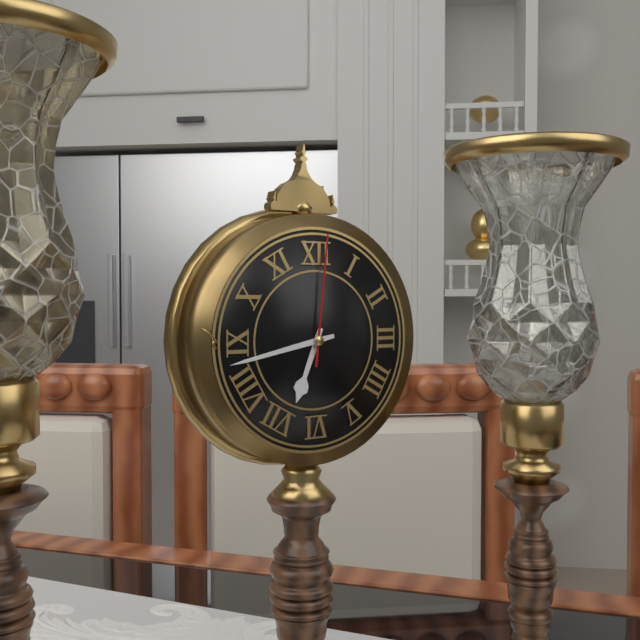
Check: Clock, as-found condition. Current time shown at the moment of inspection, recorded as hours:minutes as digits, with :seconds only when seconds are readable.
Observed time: 6:43:01
